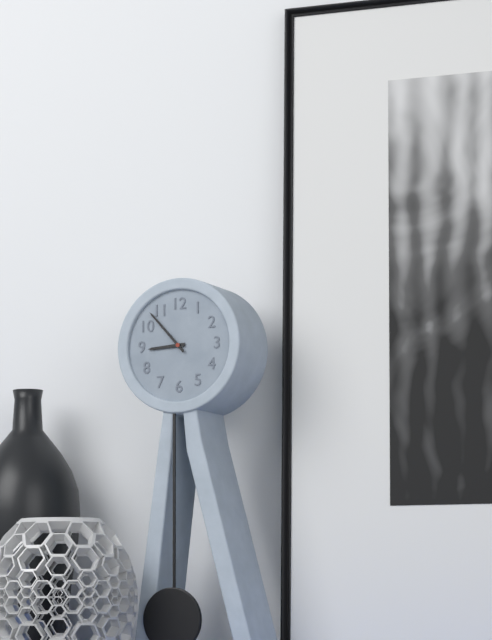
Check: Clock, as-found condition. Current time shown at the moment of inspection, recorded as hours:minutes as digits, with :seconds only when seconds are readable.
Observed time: 8:53
